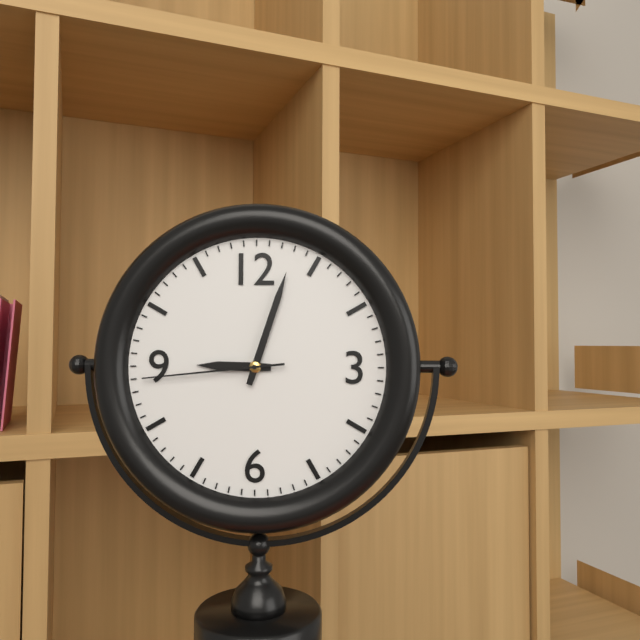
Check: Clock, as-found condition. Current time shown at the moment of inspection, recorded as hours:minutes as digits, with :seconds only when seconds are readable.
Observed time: 9:03:44
